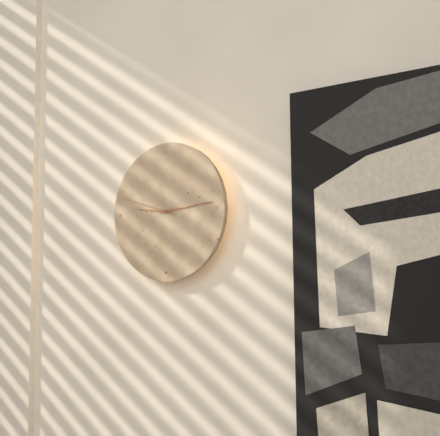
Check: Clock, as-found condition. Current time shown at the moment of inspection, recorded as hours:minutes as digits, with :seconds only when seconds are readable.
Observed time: 9:14:48
